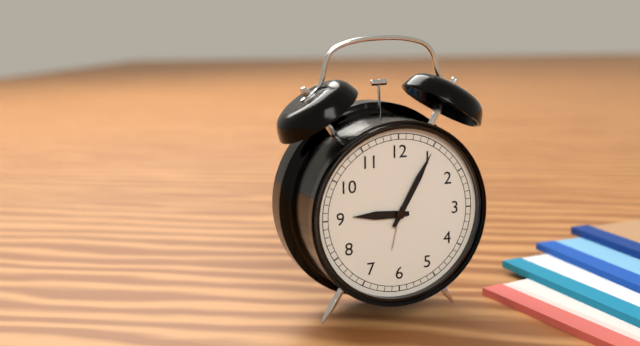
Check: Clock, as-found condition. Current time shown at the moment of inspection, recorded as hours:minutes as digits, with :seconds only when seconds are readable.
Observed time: 9:05
